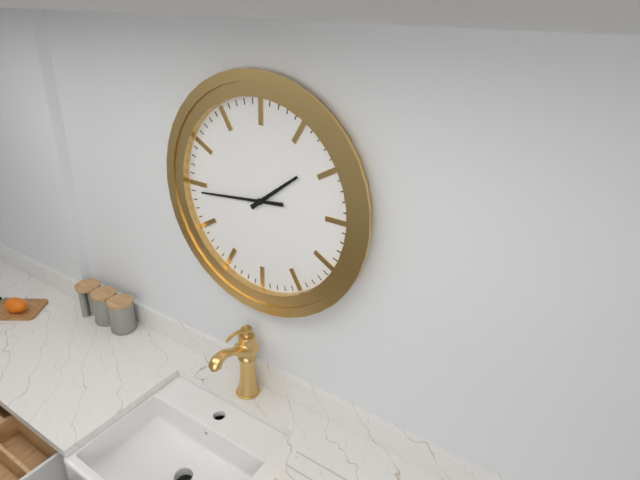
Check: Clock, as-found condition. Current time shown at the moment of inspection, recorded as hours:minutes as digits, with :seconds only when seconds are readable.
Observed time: 1:44
